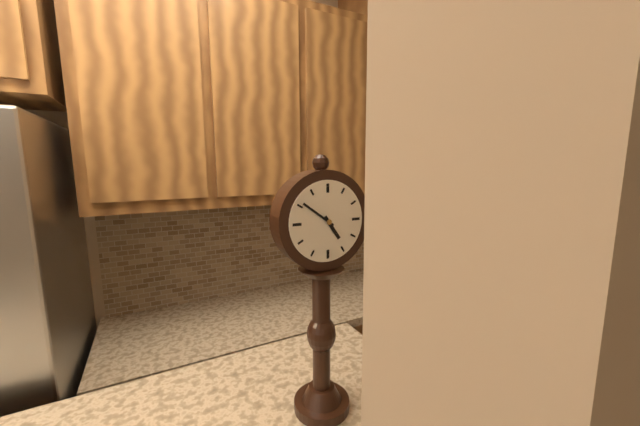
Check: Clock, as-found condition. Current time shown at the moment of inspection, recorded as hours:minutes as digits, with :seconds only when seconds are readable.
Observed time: 4:51
